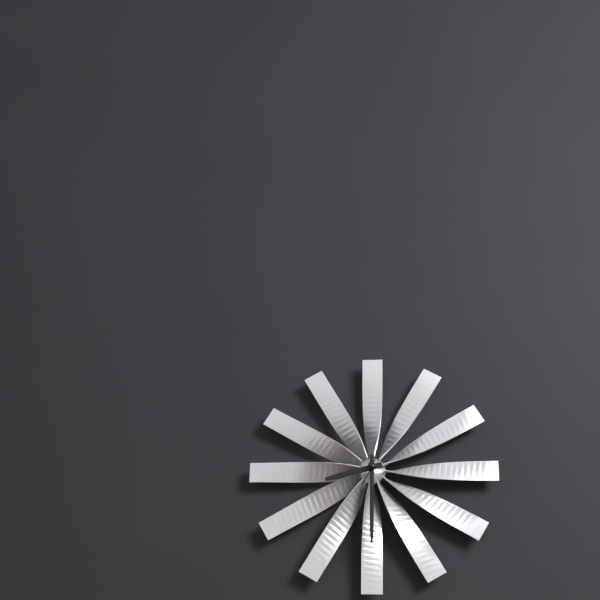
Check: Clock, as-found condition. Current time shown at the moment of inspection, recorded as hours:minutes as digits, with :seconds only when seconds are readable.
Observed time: 8:30:04
